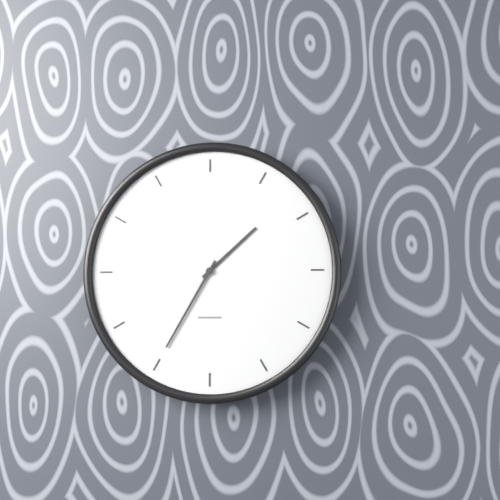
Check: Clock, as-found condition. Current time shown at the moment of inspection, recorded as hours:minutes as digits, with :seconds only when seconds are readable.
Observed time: 1:35
